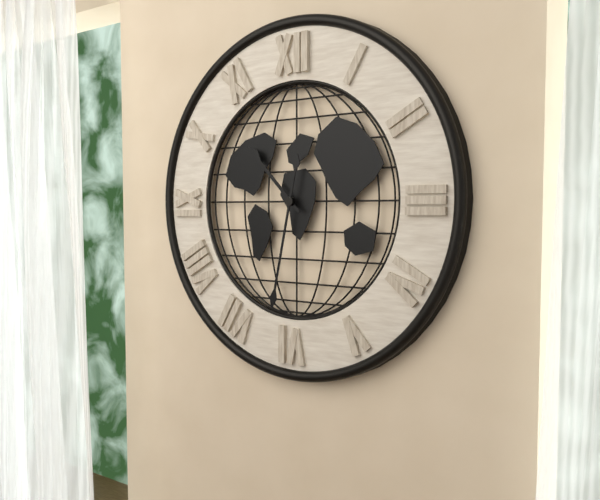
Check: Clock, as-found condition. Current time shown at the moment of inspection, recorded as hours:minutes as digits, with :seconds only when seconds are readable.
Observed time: 10:32
